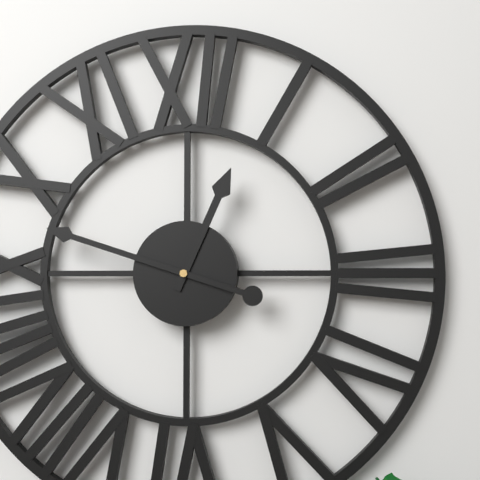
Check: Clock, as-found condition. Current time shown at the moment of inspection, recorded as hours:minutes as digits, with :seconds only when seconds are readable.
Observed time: 12:48
